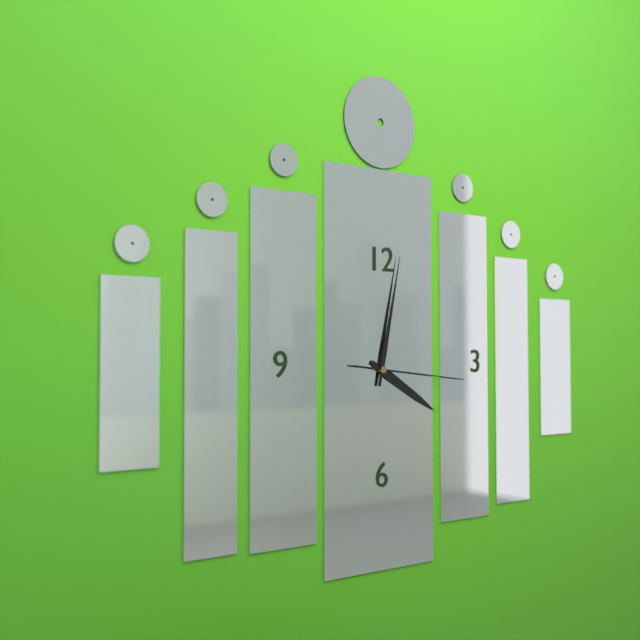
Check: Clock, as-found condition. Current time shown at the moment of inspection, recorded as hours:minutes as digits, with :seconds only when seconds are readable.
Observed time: 4:02:16
